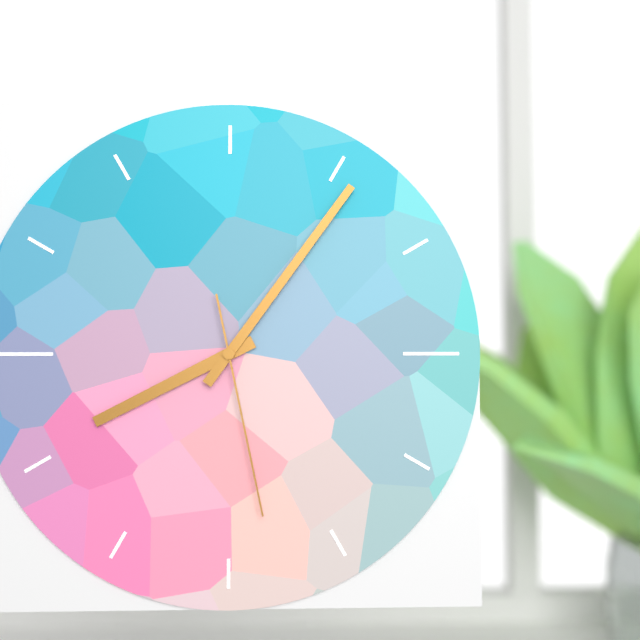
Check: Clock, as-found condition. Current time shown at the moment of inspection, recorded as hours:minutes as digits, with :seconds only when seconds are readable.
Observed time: 8:06:28
